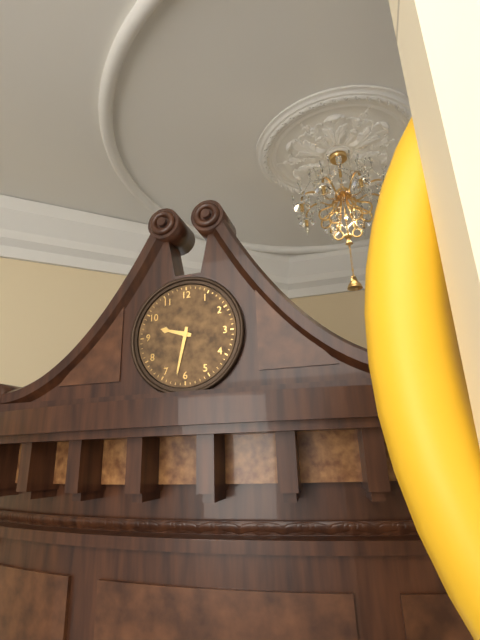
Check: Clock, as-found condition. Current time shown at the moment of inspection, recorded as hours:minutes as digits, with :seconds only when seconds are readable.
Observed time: 9:32
